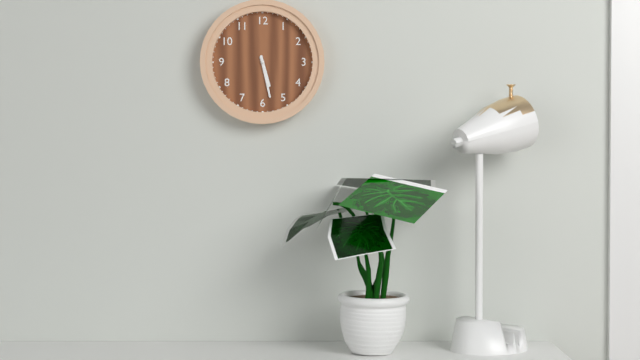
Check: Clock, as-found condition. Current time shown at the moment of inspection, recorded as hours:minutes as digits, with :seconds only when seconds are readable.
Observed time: 5:28
